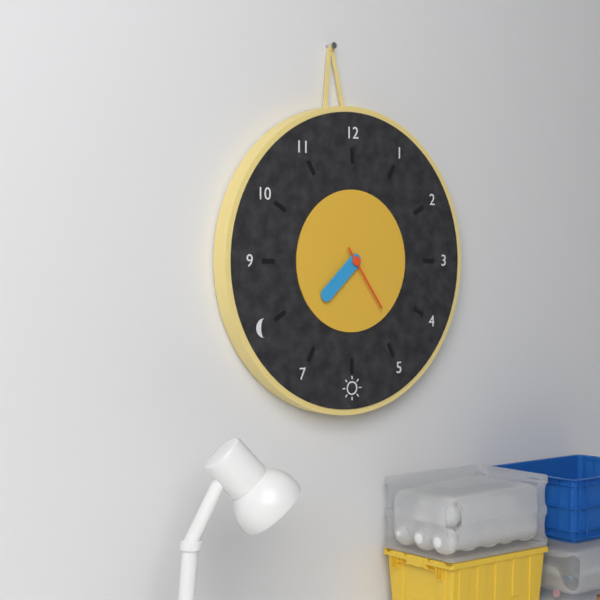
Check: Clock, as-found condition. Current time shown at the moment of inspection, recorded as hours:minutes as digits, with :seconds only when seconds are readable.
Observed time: 7:38:24
